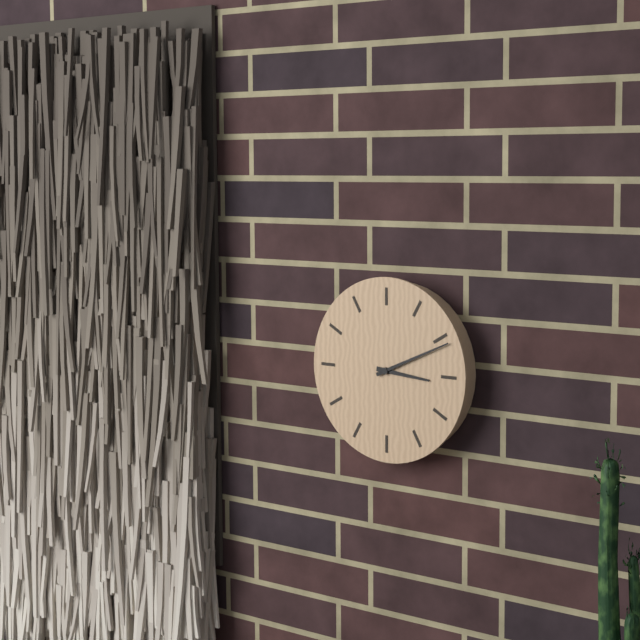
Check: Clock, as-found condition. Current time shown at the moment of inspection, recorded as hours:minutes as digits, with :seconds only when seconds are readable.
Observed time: 3:11
